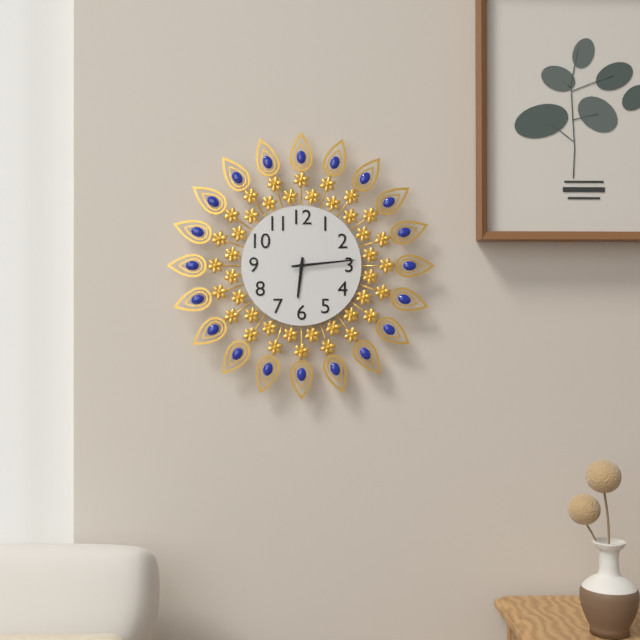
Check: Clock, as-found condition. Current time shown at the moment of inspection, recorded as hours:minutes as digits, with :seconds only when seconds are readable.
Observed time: 6:14
